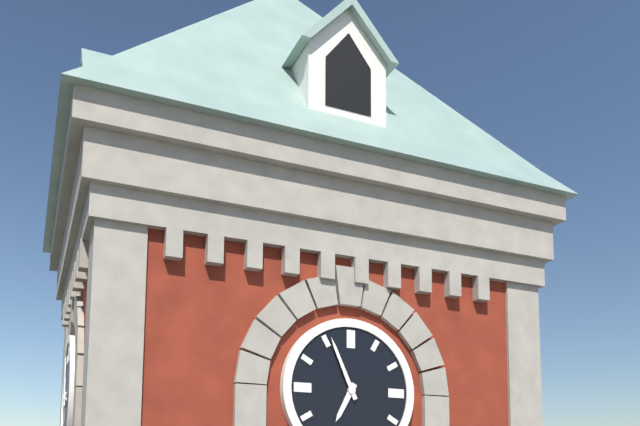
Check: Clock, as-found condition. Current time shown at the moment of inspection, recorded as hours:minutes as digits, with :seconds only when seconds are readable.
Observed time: 6:56
